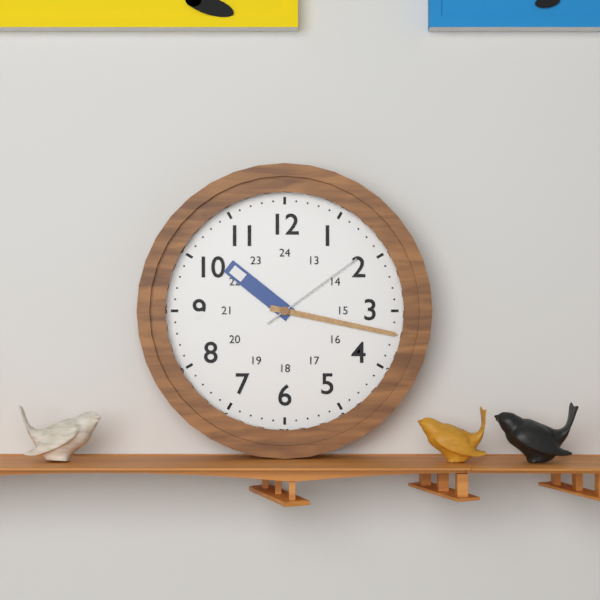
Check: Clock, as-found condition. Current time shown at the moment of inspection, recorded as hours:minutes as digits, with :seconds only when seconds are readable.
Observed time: 10:17:09
